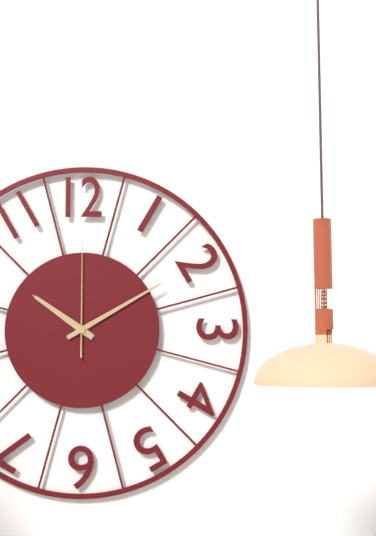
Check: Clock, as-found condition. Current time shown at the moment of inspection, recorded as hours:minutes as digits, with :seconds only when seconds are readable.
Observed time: 10:10:00
